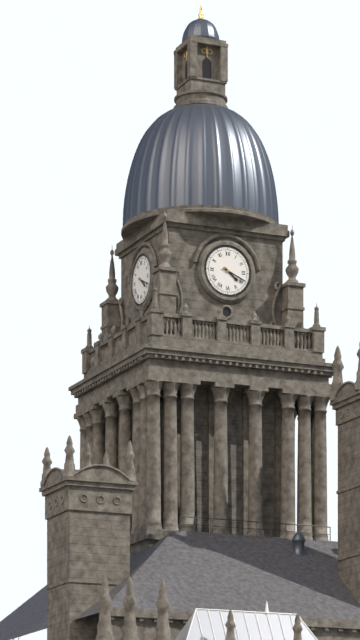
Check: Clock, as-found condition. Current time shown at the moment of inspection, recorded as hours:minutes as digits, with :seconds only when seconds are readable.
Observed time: 4:19
